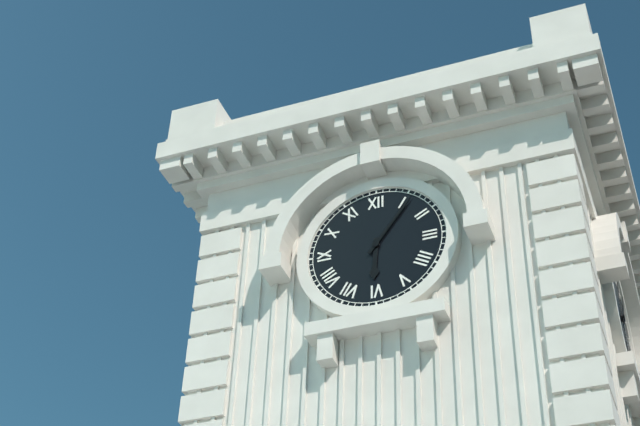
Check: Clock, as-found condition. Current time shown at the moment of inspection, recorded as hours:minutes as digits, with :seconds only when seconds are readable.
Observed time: 6:06
